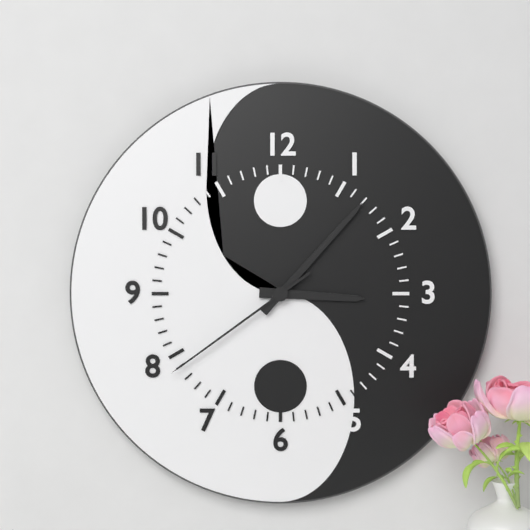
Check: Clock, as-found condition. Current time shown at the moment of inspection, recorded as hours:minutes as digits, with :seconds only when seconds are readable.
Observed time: 3:07:39
